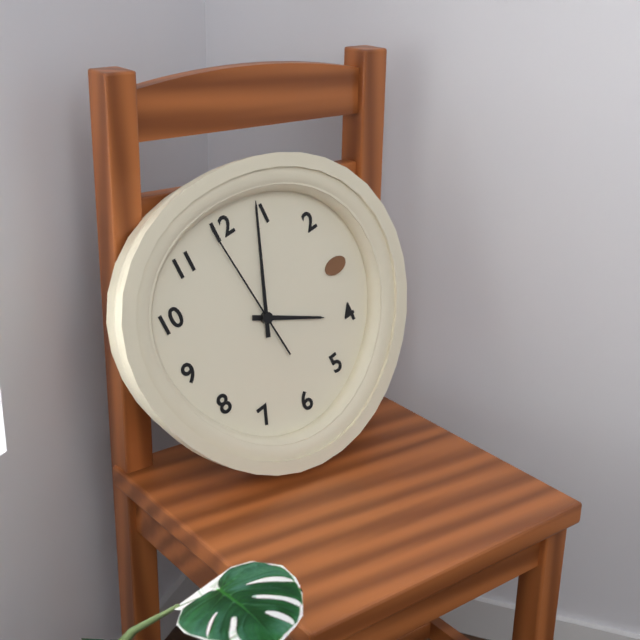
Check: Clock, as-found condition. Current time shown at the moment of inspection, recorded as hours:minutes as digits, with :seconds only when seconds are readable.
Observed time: 4:04:59
